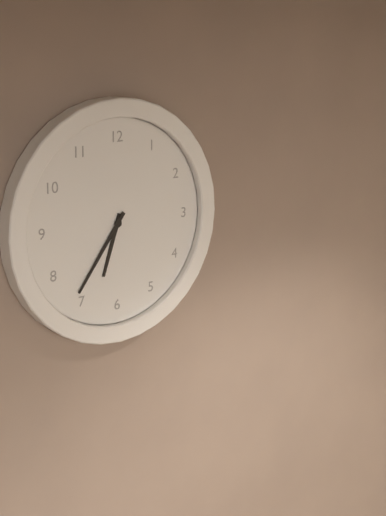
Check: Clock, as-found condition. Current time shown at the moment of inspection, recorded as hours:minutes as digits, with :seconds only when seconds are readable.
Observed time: 6:36
